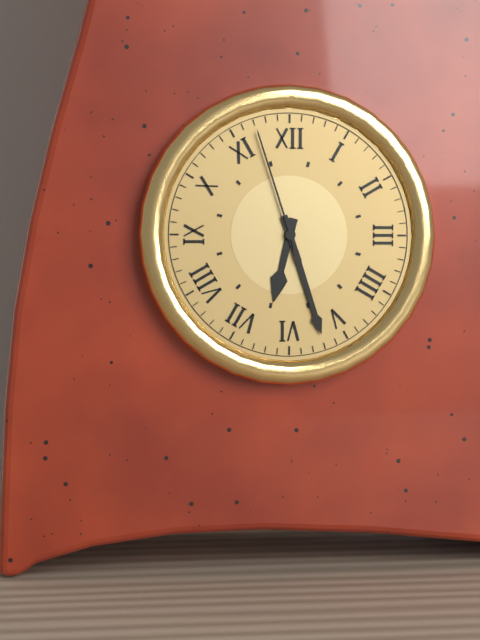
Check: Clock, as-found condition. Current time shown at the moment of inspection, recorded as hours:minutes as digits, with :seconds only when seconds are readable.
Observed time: 6:27:57
